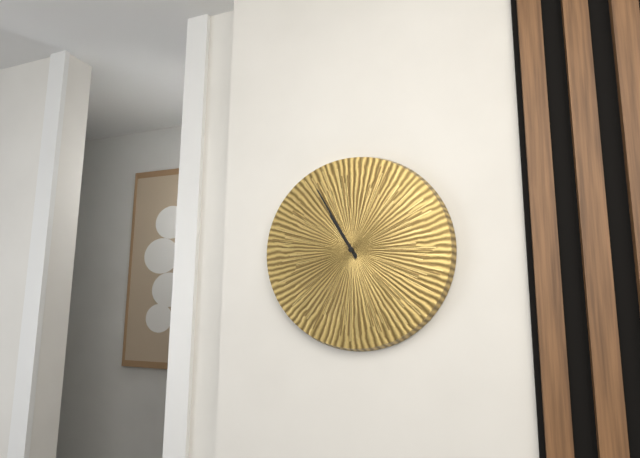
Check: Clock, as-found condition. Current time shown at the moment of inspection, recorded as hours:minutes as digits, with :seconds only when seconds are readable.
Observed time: 10:55
